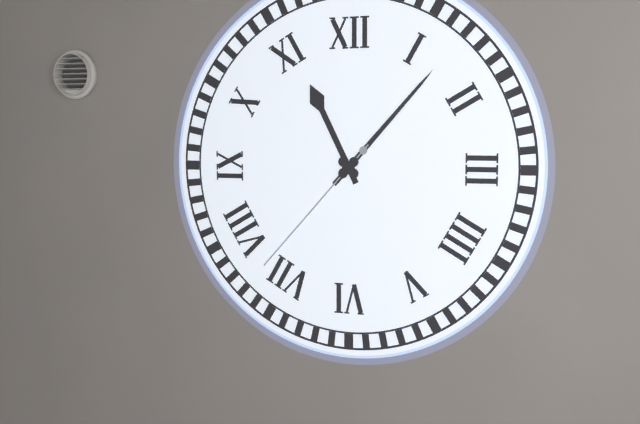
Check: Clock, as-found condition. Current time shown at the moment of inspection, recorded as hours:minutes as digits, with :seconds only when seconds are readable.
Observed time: 11:07:37
